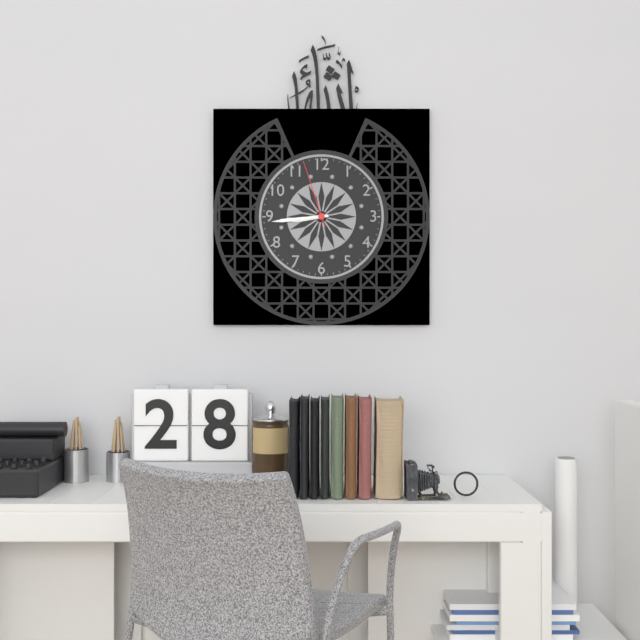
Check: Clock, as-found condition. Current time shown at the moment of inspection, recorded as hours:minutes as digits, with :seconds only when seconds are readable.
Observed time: 8:44:57
